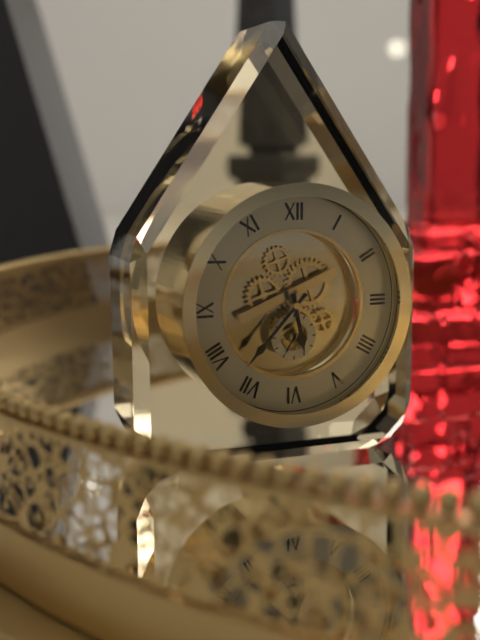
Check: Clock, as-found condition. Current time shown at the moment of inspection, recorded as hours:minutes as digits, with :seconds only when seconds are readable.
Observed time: 5:37
